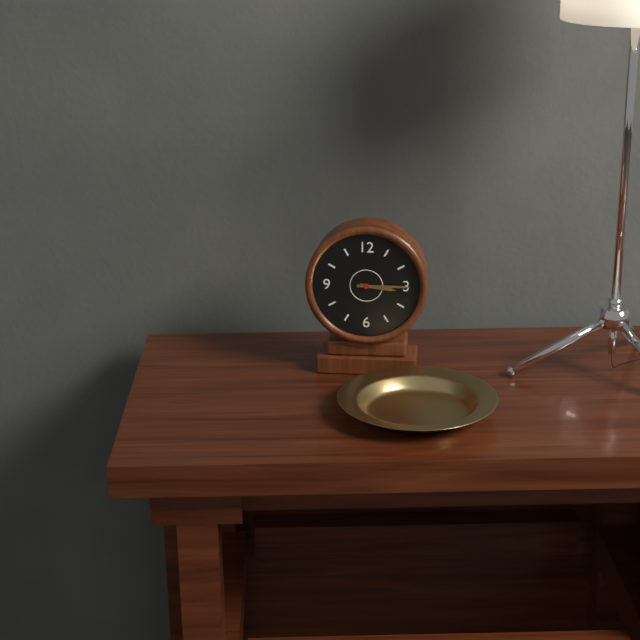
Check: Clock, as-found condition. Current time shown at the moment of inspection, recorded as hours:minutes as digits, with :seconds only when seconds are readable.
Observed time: 3:15
